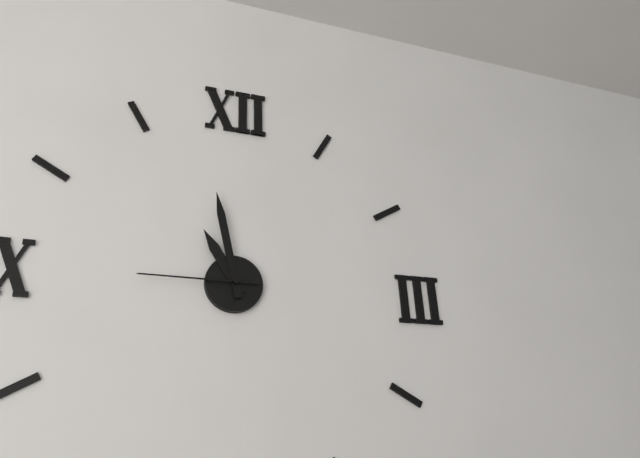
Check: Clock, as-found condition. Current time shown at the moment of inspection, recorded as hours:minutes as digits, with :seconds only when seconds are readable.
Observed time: 10:58:45
